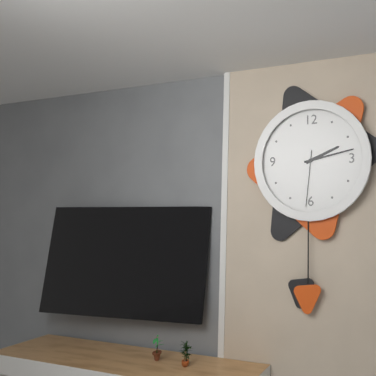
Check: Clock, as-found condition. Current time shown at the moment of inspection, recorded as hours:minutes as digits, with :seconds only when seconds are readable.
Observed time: 2:13:31
